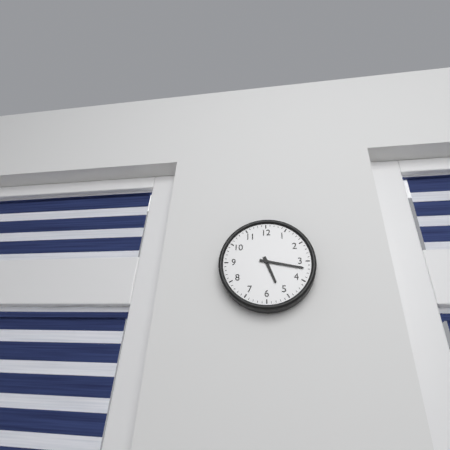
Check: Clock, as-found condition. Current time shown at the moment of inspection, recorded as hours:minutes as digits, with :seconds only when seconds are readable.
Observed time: 5:17
